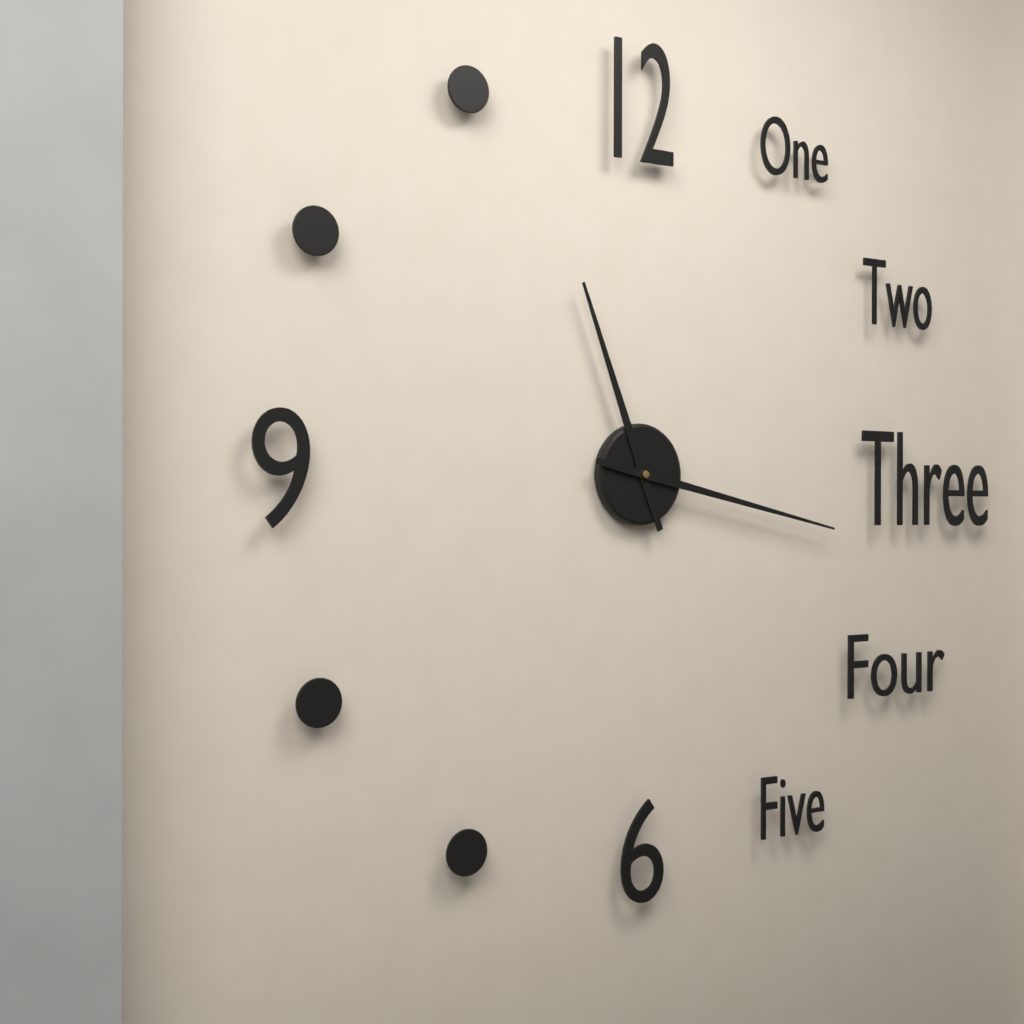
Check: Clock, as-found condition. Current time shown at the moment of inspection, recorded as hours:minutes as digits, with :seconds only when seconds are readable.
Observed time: 11:17
